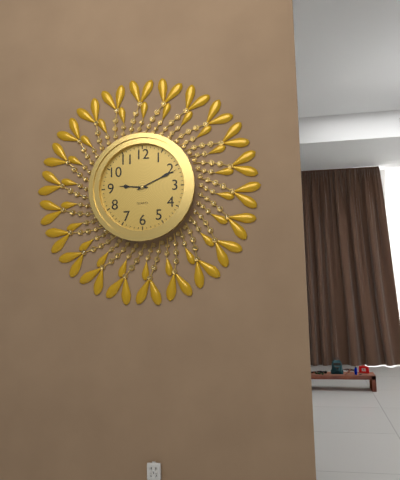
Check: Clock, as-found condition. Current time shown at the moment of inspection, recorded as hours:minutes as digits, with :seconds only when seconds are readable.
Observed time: 9:11
